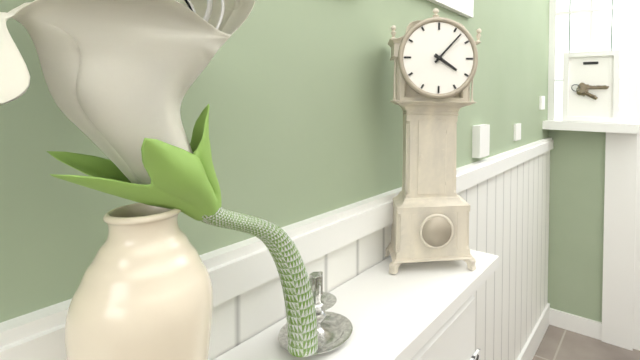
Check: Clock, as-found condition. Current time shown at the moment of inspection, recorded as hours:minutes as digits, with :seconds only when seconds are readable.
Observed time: 4:07
